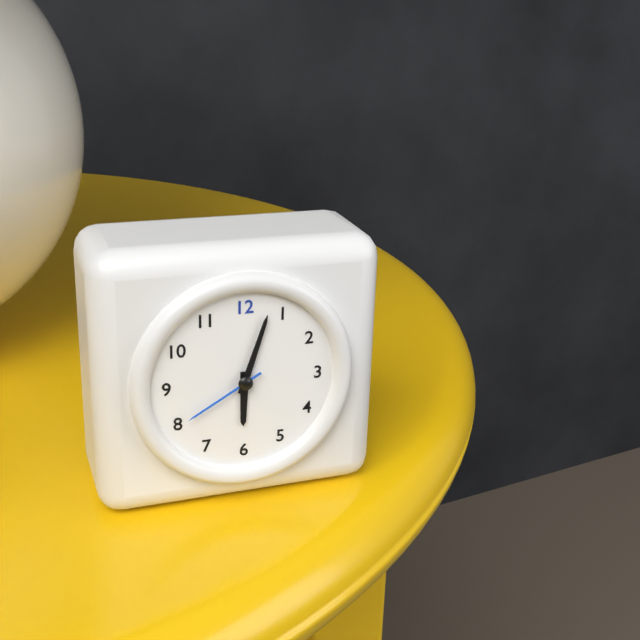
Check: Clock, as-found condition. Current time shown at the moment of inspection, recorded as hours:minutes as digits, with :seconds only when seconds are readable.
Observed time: 6:03:40
